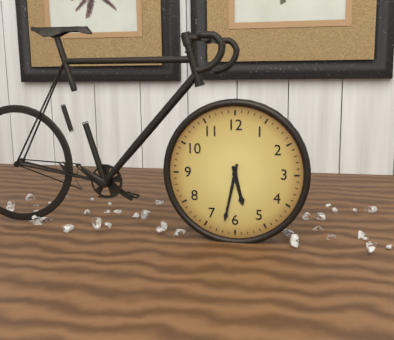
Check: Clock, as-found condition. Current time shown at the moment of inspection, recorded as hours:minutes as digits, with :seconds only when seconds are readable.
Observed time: 5:32
